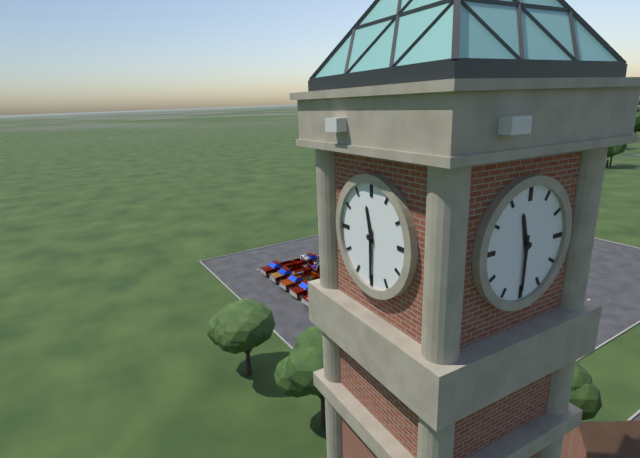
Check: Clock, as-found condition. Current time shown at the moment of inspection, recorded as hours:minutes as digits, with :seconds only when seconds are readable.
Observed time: 11:30
